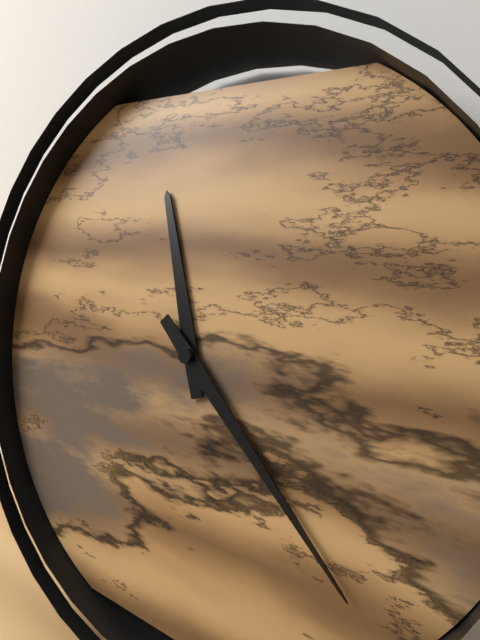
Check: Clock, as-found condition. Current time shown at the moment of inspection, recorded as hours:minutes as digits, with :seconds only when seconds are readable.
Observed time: 11:22
